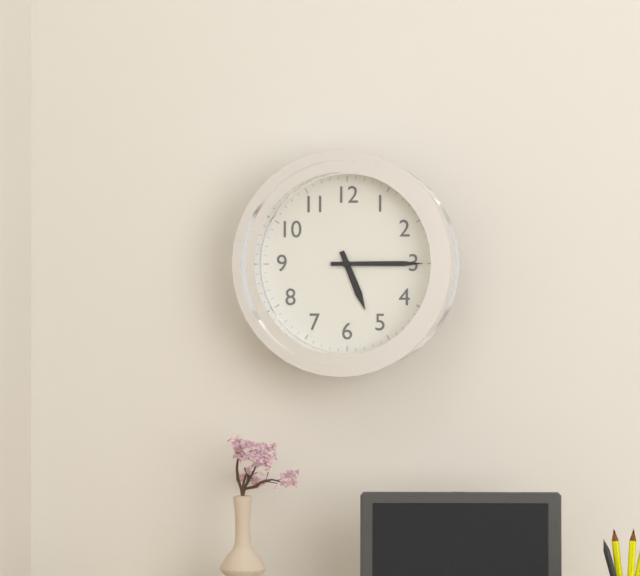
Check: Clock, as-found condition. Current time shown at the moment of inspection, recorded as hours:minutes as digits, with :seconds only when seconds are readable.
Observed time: 5:15
